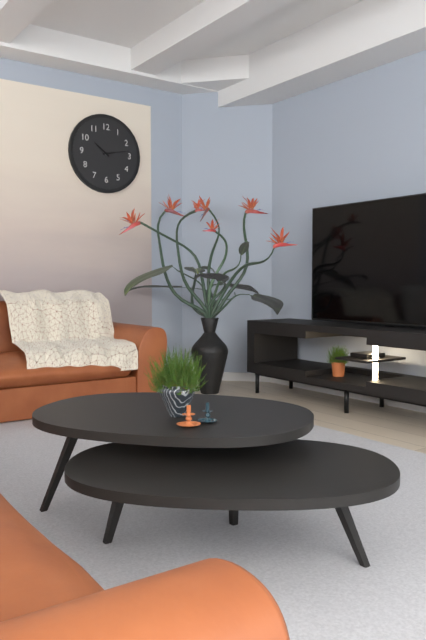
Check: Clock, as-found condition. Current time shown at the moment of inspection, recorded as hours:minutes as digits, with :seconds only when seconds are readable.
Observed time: 10:13
